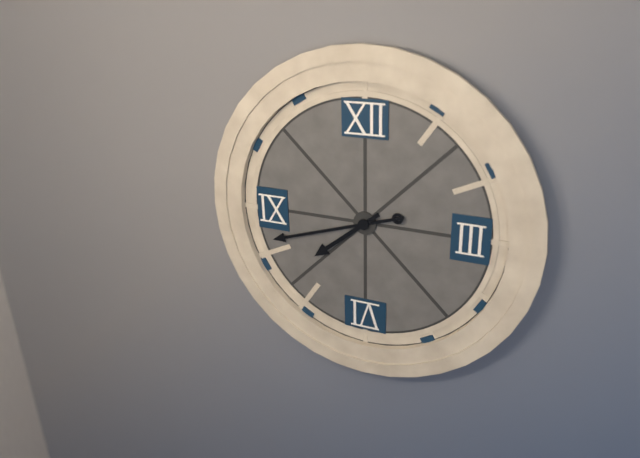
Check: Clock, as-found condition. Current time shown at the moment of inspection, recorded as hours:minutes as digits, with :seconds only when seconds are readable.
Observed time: 7:42
